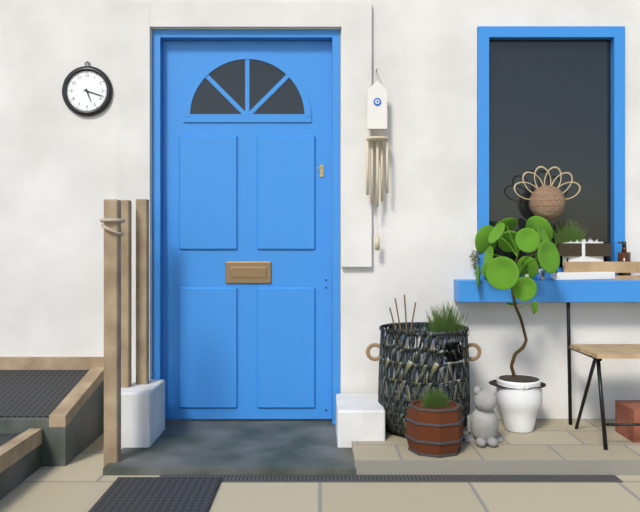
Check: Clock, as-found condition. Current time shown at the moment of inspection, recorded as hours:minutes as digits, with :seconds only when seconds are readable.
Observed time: 5:18
